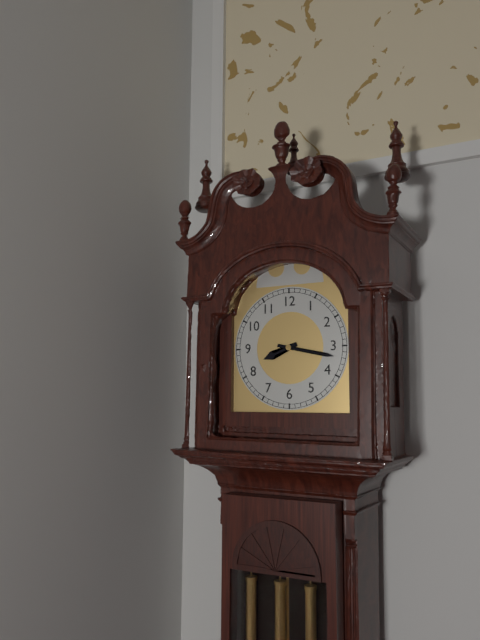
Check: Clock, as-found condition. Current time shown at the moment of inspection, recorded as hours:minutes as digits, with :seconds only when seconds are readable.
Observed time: 8:17
